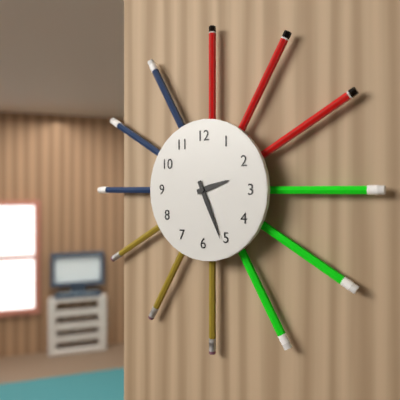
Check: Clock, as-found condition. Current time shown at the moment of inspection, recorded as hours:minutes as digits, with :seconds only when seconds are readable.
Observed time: 2:26
